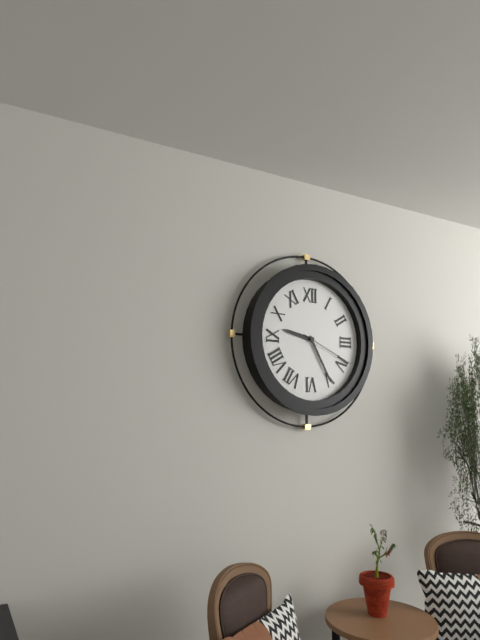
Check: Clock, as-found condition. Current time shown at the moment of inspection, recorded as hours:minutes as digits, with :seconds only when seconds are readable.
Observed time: 9:25:19
